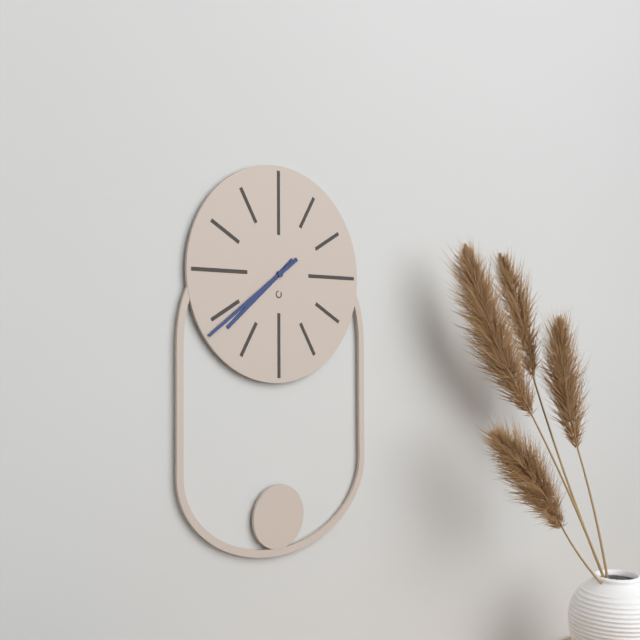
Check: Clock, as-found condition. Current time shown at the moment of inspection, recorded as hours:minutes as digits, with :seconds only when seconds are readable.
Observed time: 7:39
